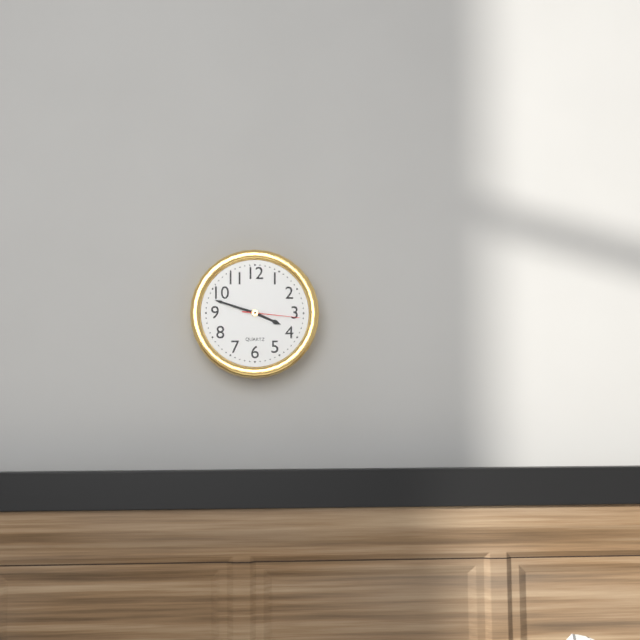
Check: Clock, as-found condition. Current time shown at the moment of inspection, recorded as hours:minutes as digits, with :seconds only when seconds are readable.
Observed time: 3:48:16
